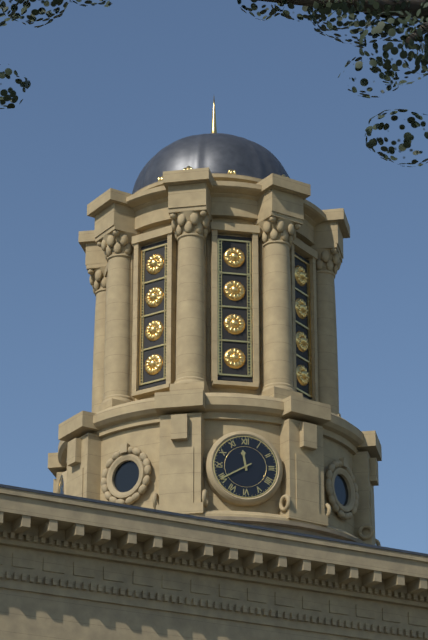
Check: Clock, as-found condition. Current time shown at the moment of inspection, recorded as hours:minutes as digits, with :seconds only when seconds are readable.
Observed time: 11:40
